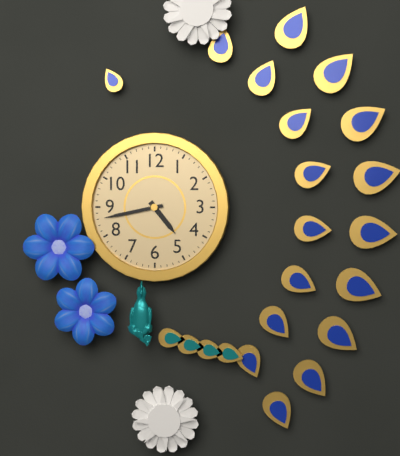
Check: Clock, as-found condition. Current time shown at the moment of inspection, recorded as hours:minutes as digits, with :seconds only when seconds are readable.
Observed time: 4:43
